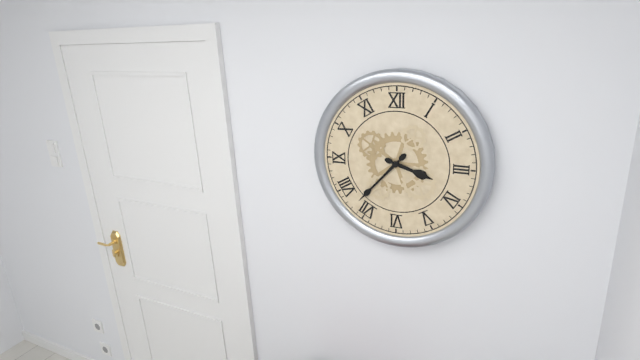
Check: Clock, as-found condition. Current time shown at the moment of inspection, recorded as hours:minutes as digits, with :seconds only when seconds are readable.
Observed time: 3:37
